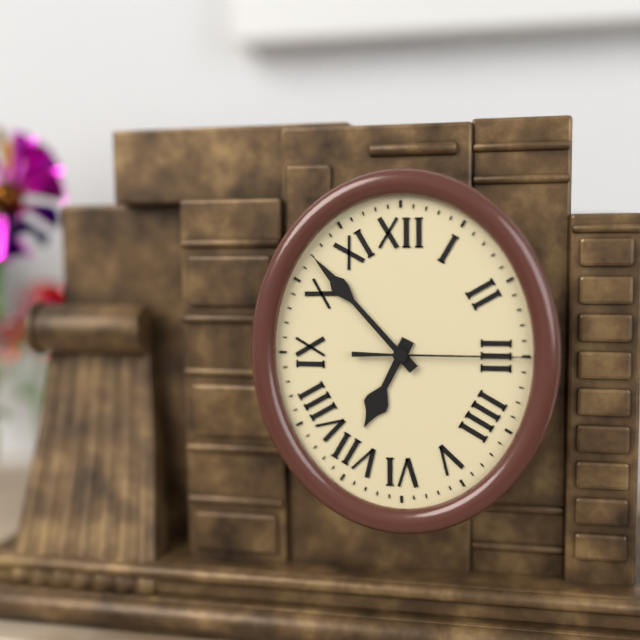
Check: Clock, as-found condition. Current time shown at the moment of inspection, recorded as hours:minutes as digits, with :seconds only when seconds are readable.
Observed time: 6:53:15
